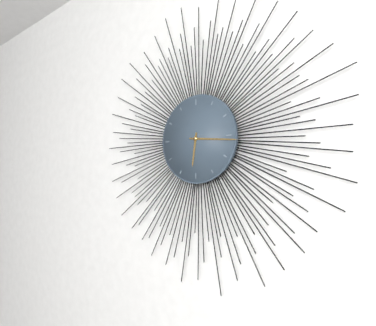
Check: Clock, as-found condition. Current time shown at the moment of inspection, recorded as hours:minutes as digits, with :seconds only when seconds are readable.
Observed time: 6:16
